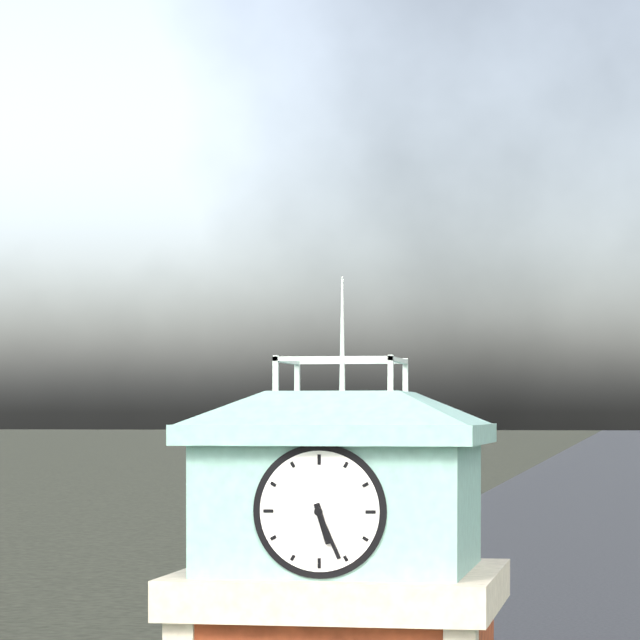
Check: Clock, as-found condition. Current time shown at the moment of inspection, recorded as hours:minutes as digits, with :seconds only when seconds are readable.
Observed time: 5:26
